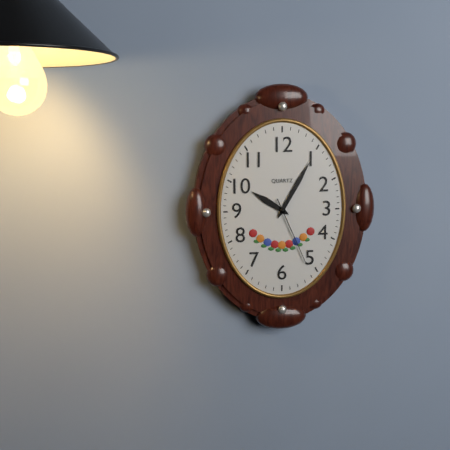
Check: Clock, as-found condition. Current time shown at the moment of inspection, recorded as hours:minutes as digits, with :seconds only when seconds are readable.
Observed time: 10:05:26
